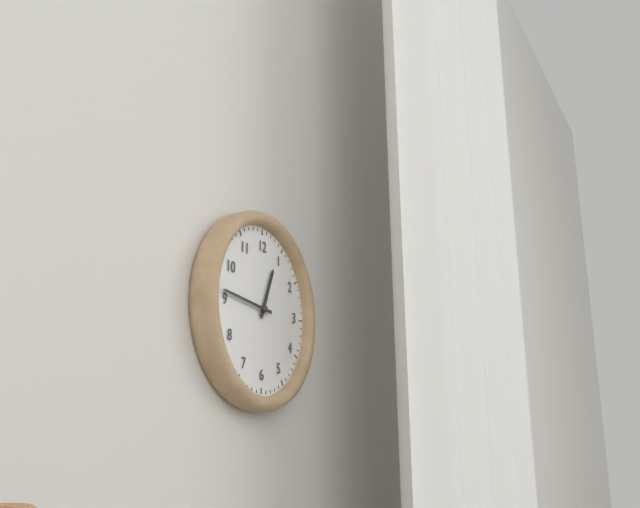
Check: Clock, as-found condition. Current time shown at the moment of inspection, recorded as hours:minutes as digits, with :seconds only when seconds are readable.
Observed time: 12:46
